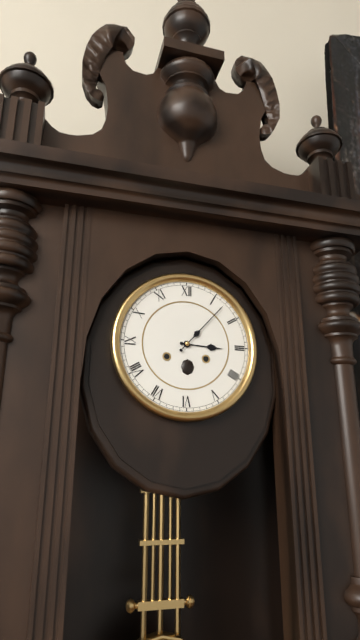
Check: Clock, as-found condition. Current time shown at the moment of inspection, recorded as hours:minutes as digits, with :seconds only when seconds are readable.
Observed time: 3:07
